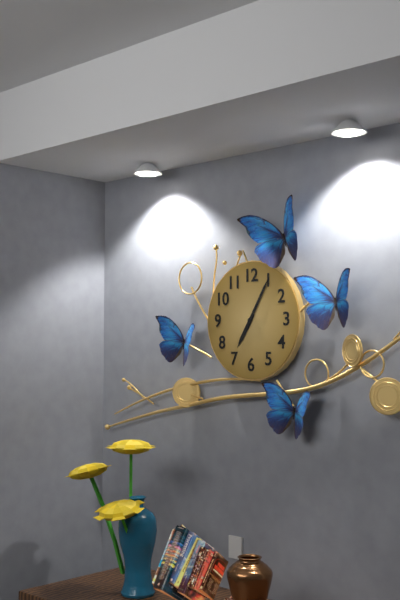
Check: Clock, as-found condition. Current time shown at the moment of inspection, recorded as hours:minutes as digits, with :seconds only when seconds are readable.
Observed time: 7:05
